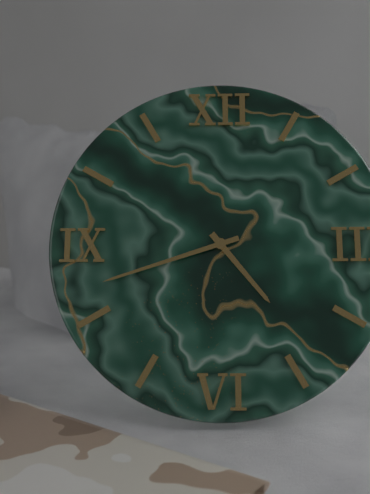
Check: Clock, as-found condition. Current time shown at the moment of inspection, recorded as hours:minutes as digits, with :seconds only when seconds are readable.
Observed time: 4:42
